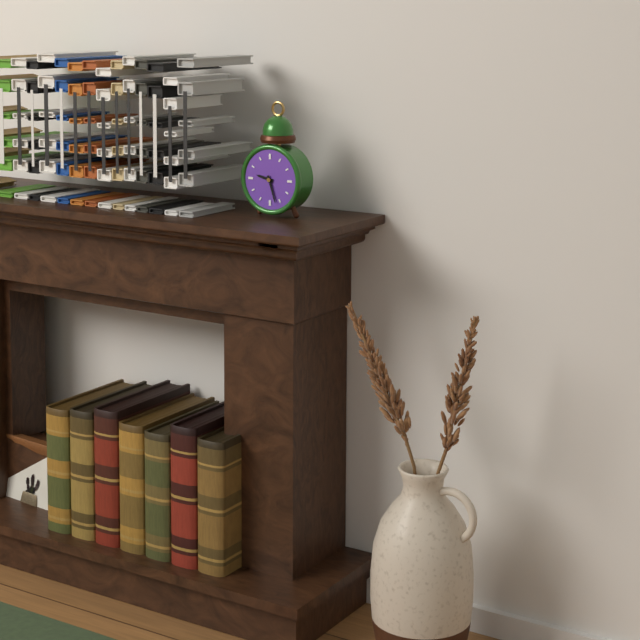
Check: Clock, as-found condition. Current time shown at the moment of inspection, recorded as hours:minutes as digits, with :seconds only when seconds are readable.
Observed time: 9:27
